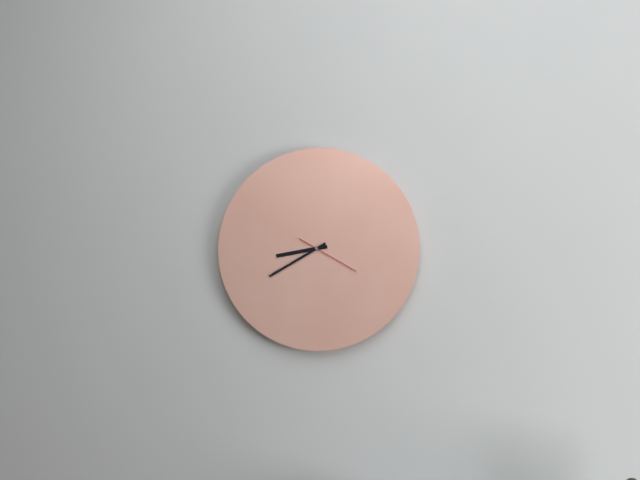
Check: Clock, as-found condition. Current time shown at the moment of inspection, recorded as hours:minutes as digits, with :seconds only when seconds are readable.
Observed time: 8:40:20
